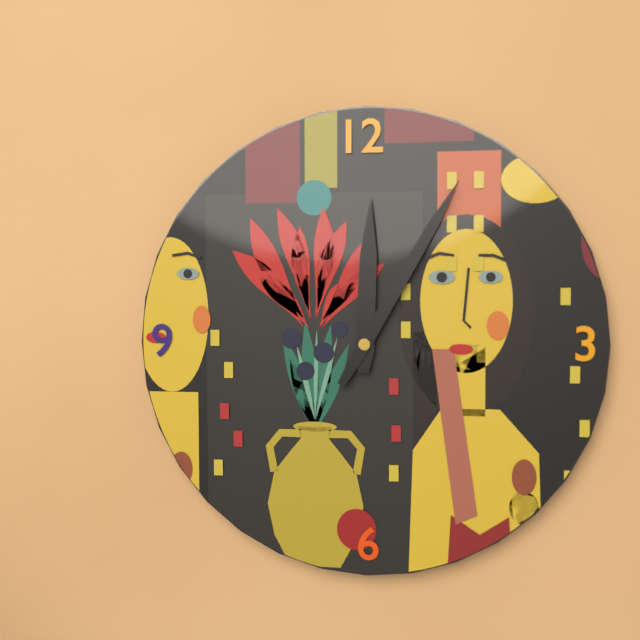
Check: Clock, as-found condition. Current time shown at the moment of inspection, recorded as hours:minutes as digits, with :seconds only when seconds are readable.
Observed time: 12:05
